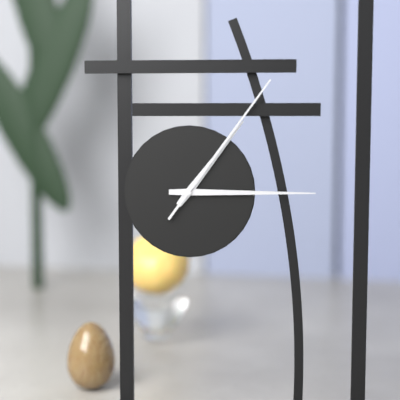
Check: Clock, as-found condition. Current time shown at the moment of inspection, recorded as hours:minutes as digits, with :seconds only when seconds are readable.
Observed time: 1:15:06
